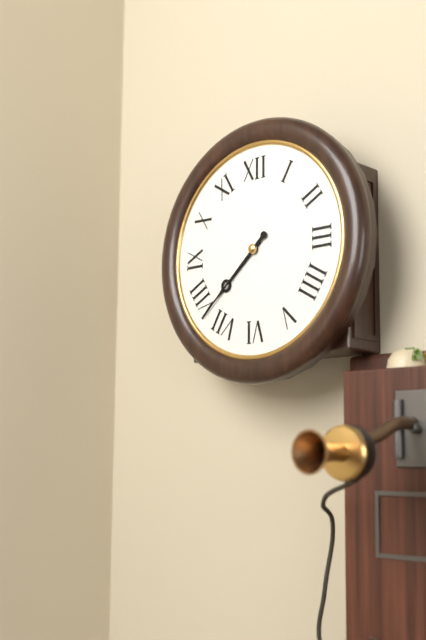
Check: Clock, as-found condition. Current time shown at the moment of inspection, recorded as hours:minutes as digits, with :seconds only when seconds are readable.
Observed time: 7:38
